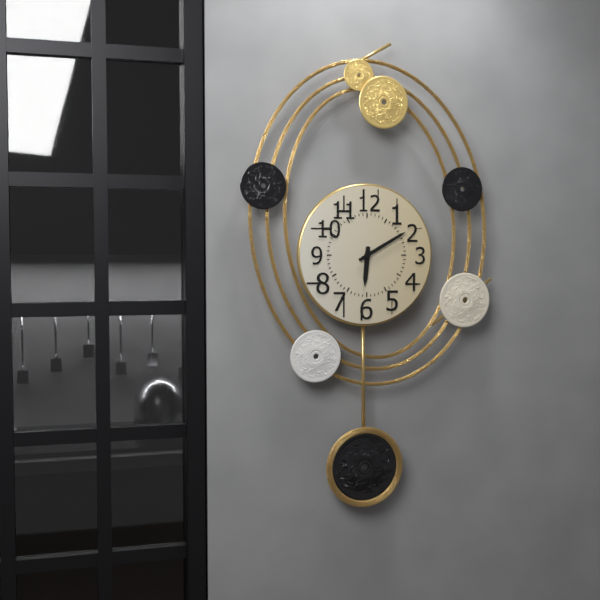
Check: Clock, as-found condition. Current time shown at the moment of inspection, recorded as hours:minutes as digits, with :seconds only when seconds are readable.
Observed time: 6:10
